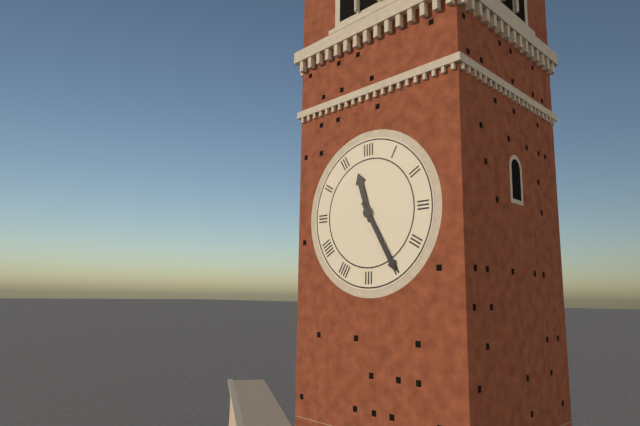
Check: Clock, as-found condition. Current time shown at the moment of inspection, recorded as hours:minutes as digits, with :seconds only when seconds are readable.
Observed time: 11:25
